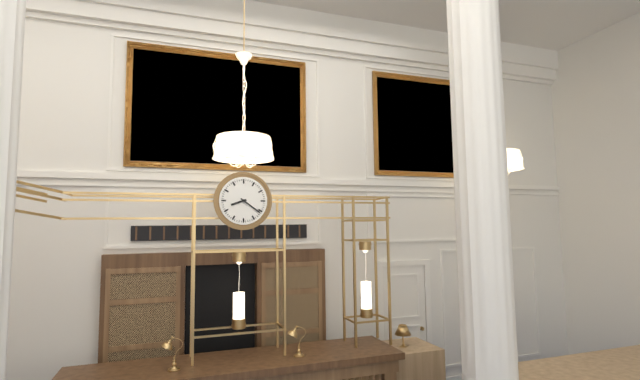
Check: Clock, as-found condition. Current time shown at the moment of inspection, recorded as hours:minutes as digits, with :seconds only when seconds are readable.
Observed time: 8:21
